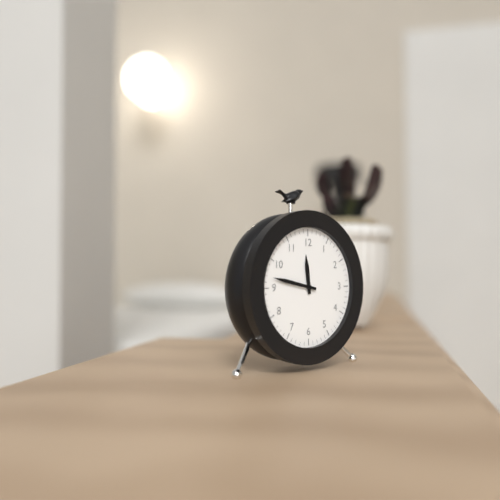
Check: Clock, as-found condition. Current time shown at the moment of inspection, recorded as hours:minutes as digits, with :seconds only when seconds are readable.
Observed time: 11:47
